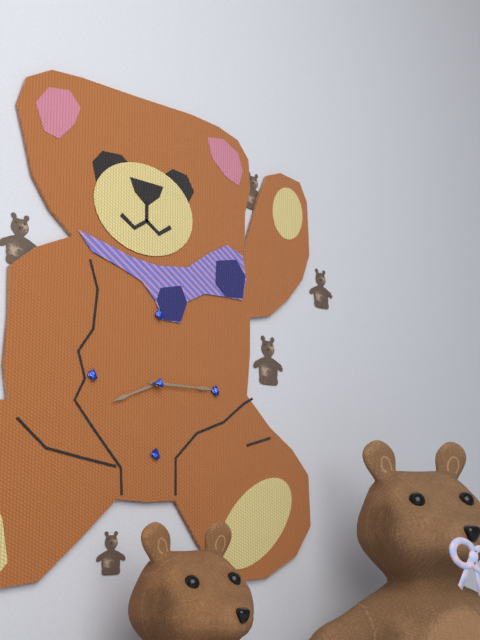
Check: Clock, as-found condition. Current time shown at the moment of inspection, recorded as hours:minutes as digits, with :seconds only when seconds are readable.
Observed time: 8:15
